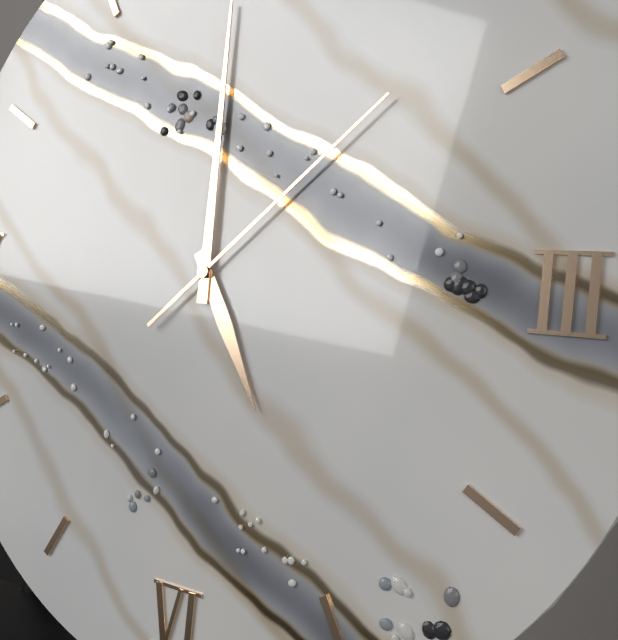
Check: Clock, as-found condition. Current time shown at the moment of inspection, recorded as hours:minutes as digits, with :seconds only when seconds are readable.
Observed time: 5:00:08
